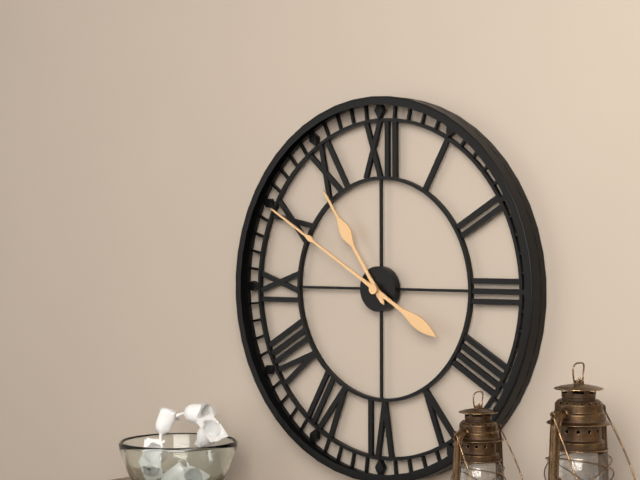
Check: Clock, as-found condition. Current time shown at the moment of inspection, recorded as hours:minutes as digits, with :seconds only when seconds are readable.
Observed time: 10:50
